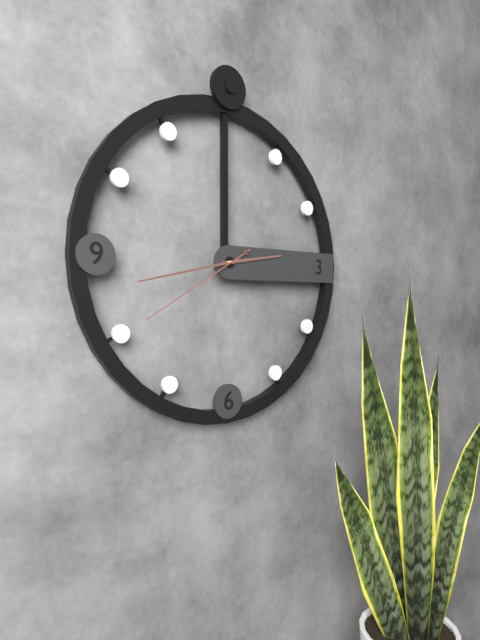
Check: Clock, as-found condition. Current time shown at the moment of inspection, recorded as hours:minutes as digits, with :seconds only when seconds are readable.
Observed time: 2:43:40
